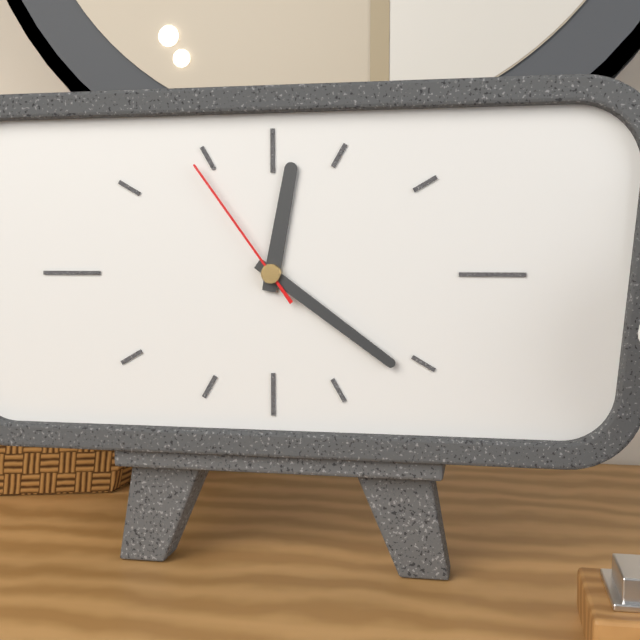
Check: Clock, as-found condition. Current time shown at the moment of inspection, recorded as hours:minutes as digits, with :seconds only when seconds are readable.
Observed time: 12:21:54
